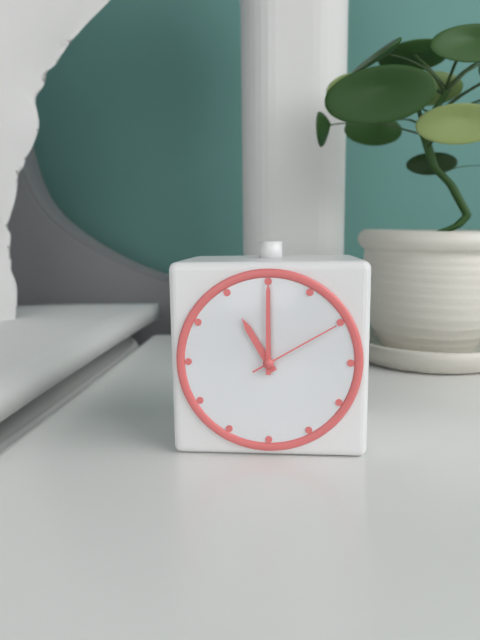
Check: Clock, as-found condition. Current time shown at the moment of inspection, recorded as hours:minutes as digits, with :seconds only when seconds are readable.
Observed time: 11:00:10
